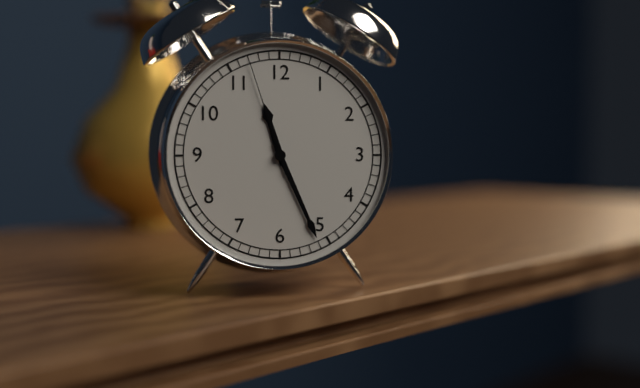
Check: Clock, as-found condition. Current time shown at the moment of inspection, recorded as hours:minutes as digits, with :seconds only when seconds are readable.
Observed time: 11:26:57
